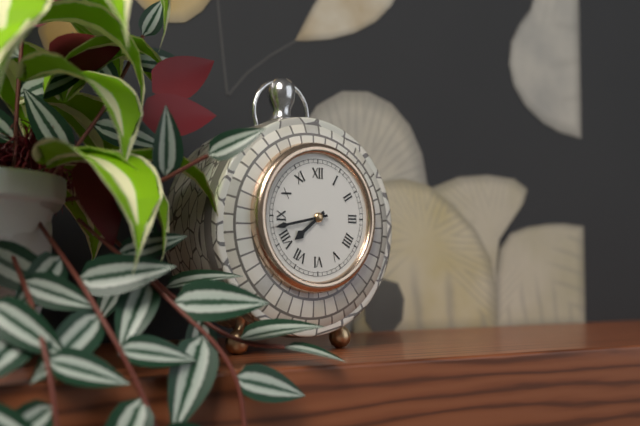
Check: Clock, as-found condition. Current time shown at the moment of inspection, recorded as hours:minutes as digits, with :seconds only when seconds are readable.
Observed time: 7:43
